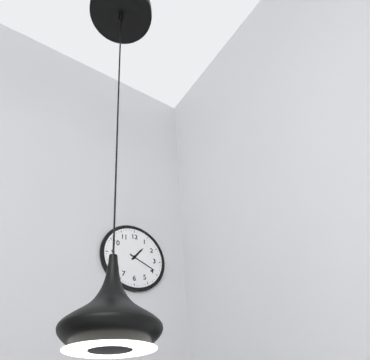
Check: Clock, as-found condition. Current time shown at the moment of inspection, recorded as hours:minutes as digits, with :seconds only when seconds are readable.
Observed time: 1:19
